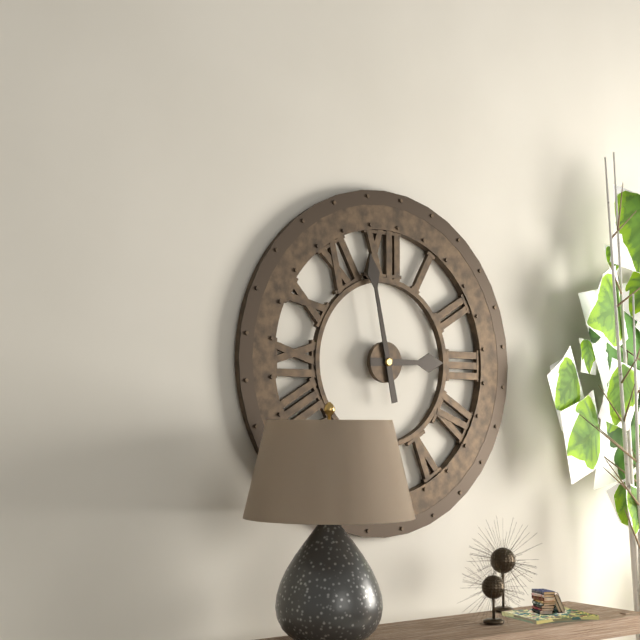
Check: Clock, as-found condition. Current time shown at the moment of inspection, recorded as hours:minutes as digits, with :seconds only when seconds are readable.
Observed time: 2:58
